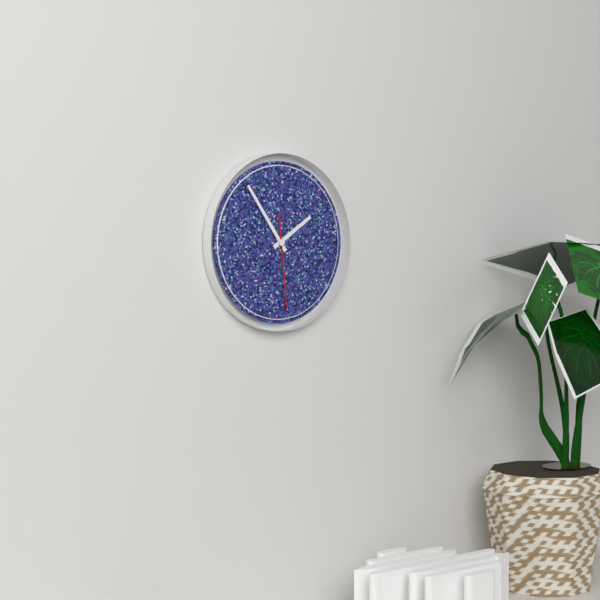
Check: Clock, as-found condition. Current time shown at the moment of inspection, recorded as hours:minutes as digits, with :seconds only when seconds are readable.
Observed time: 1:54:29
